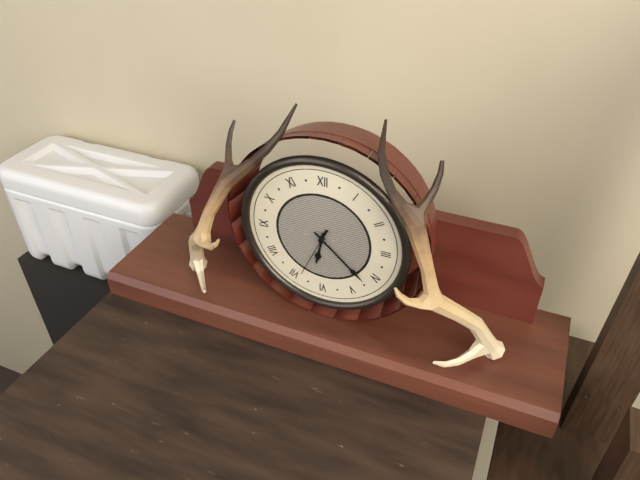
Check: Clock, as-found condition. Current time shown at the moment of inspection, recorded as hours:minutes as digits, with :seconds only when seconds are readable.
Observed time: 6:22:34
